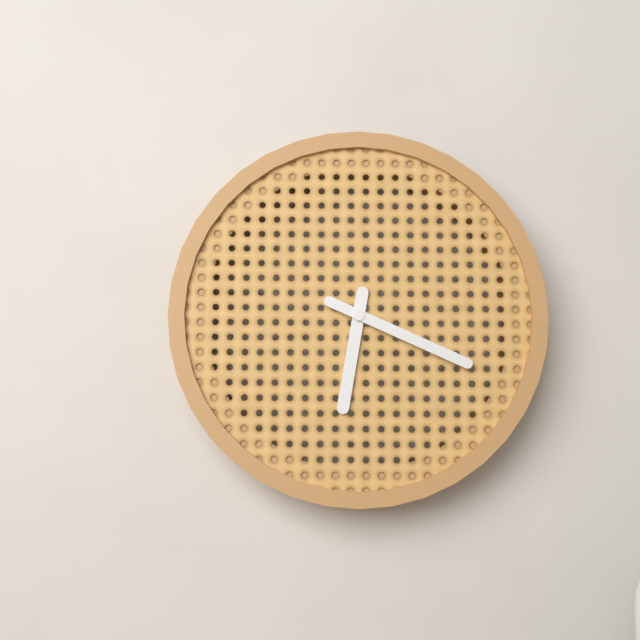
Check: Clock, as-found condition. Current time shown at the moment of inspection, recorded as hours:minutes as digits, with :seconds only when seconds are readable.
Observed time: 6:19
